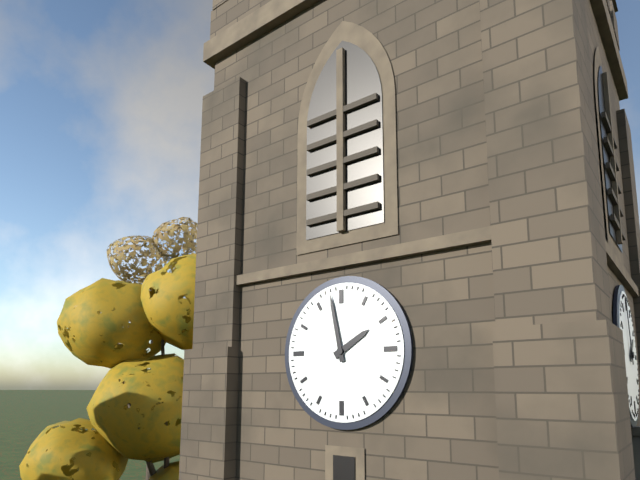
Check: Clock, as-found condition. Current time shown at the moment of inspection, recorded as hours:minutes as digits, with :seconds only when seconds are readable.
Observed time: 1:58
